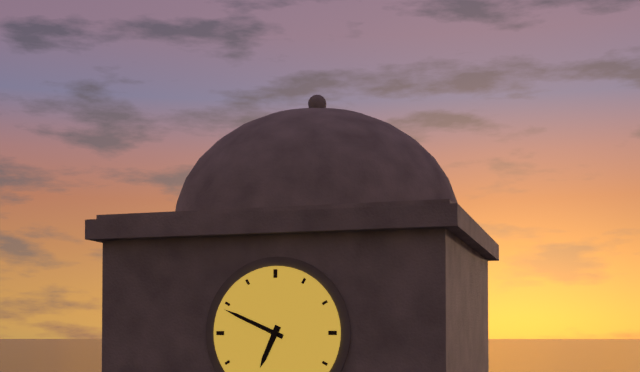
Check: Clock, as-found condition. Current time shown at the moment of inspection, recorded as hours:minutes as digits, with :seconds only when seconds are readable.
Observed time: 6:49
